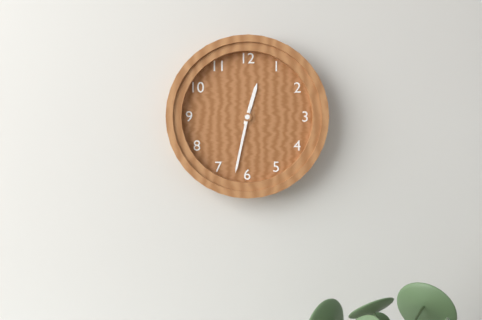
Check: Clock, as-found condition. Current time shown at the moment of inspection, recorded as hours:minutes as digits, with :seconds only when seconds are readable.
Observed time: 12:32
